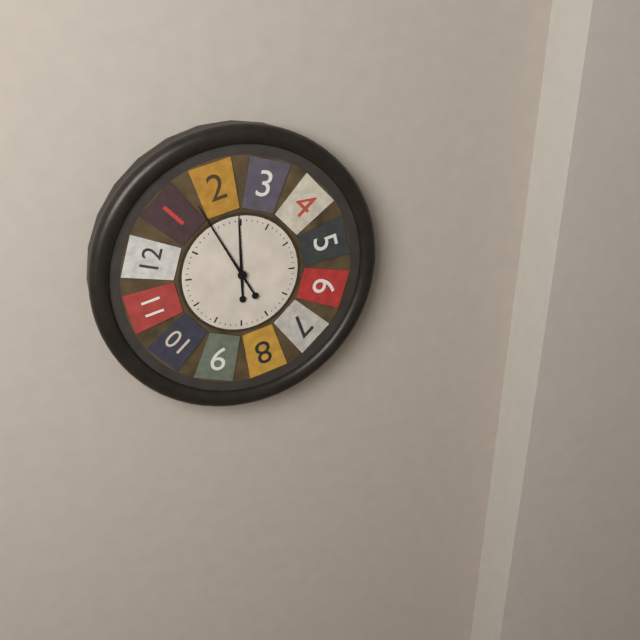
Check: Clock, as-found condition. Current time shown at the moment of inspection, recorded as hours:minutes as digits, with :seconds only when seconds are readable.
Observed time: 11:55
